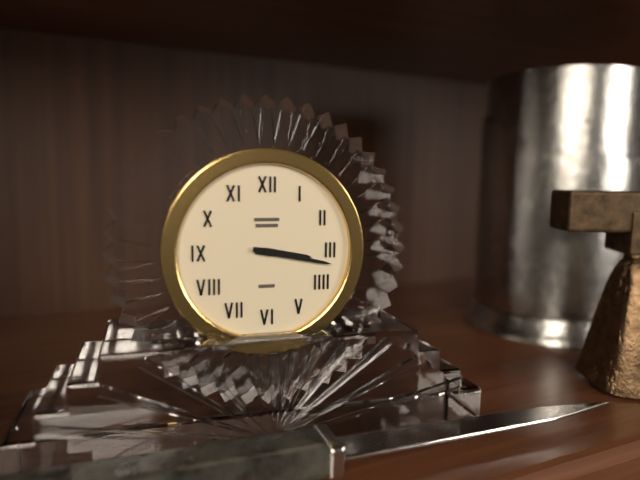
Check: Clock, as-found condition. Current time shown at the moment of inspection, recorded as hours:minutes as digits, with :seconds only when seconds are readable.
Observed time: 3:17
